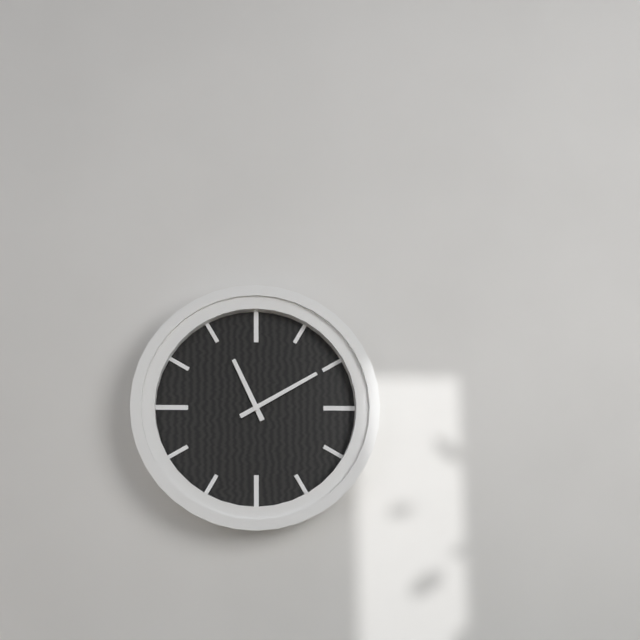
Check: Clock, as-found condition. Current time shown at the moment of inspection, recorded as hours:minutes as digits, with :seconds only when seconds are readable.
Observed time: 11:10
